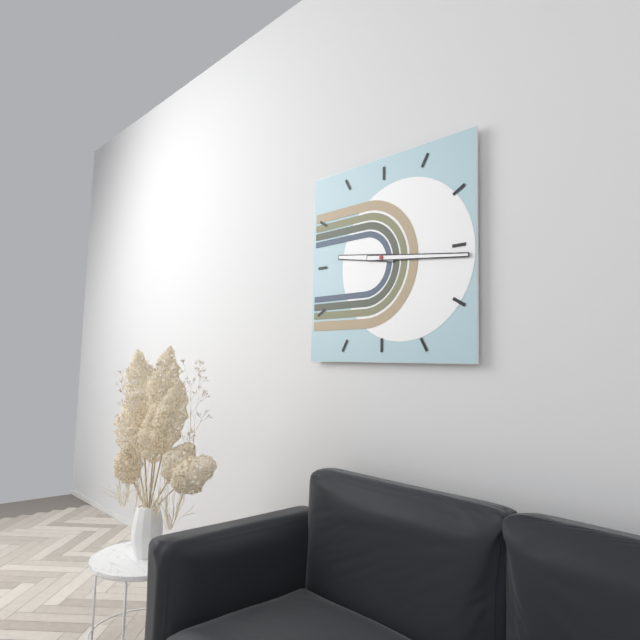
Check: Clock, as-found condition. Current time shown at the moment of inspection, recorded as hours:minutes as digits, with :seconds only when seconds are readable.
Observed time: 9:16
